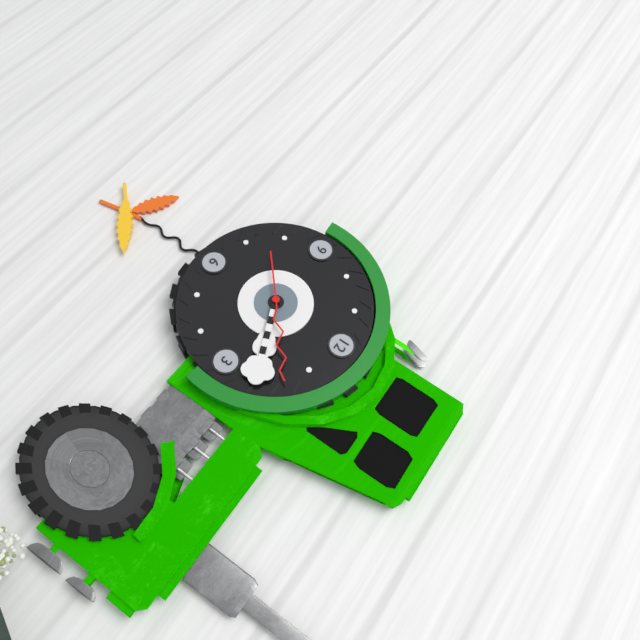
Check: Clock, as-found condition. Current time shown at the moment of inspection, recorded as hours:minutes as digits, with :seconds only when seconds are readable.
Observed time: 2:11:08
